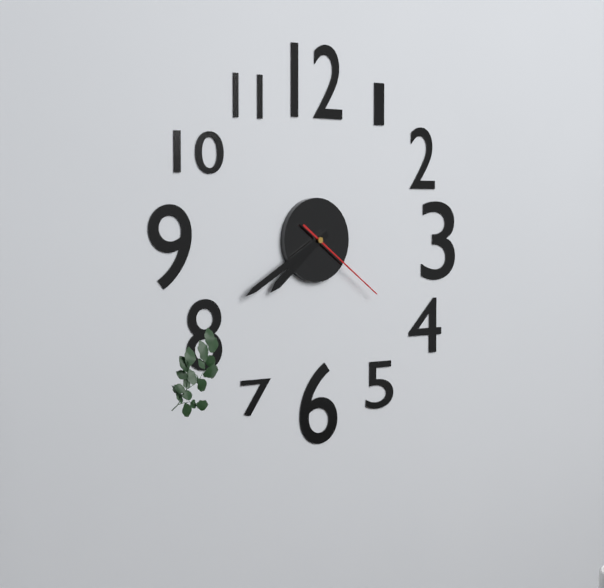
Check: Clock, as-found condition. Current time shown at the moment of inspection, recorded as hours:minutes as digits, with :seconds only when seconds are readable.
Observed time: 7:40:21
